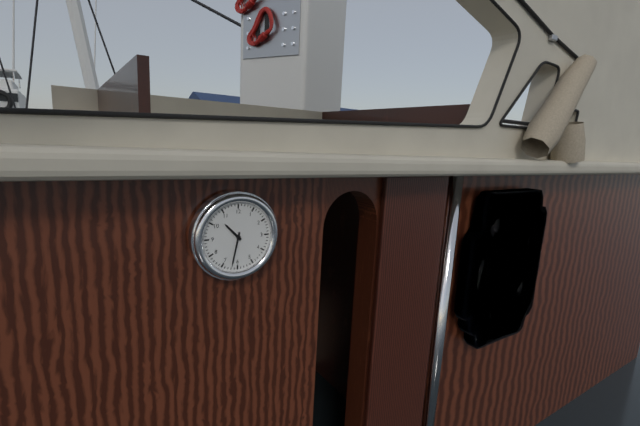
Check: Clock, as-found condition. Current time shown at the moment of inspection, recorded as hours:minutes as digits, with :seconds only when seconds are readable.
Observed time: 10:32
